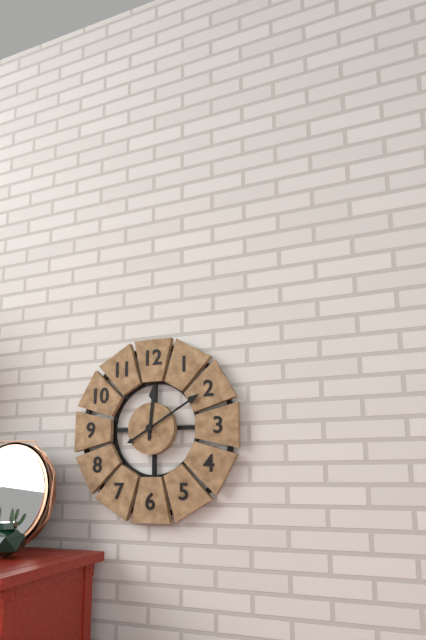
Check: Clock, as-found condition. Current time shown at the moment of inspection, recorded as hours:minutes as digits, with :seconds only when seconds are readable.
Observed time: 12:10
